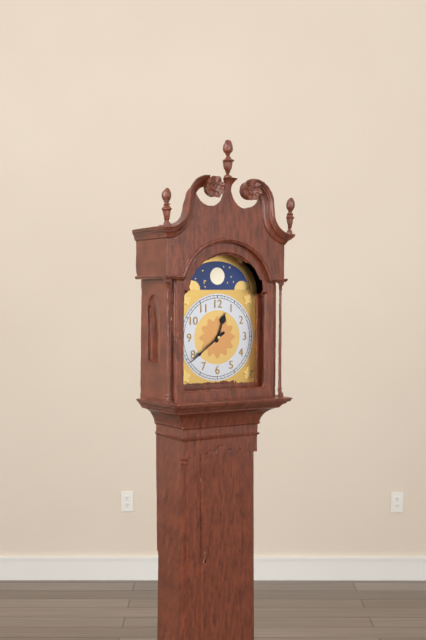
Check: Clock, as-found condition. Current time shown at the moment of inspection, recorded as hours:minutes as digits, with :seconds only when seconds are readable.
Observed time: 12:39
